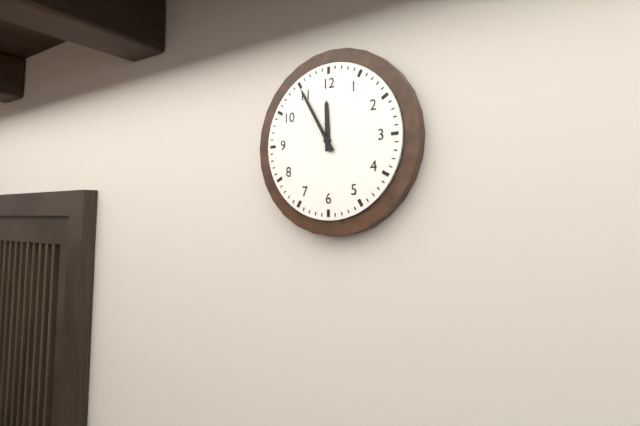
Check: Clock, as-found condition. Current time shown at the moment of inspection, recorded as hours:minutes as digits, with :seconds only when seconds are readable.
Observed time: 11:55
